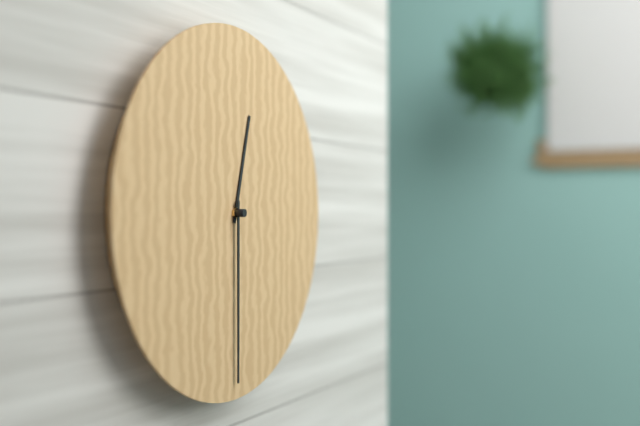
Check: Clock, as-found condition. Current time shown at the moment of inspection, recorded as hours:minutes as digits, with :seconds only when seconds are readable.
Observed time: 12:30
